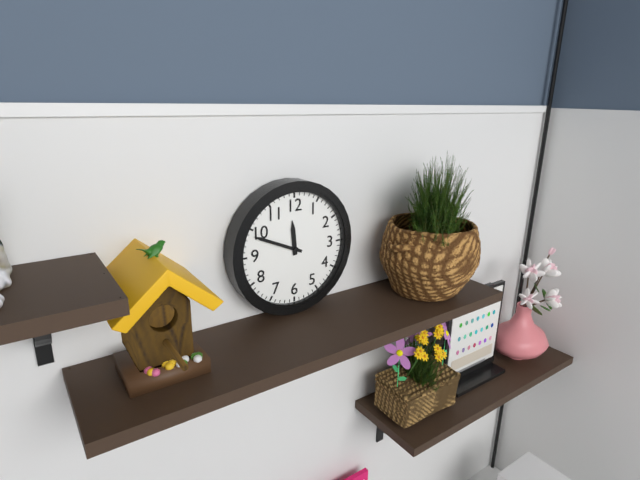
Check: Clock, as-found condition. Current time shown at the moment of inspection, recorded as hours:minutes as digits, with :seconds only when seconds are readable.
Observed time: 11:49
